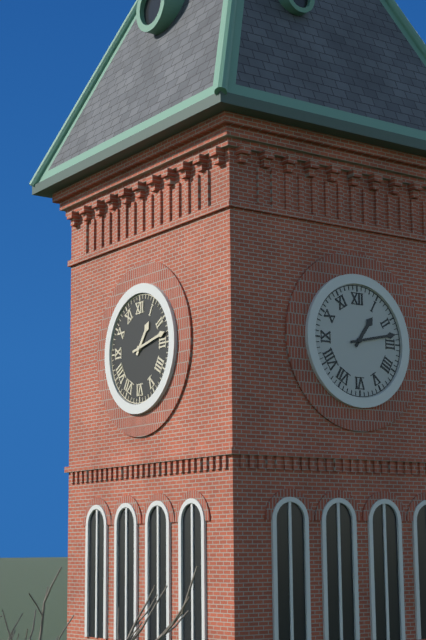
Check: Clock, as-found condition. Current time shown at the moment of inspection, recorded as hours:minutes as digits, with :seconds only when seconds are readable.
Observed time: 1:13
